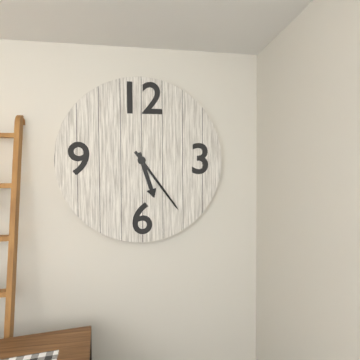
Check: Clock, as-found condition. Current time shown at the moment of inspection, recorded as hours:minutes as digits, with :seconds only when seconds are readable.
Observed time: 5:24
